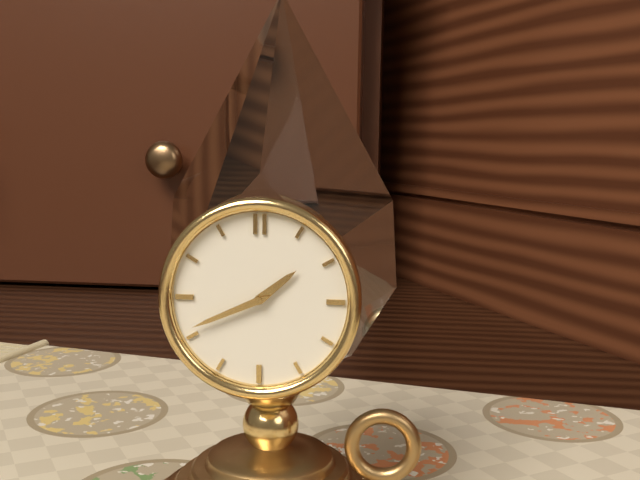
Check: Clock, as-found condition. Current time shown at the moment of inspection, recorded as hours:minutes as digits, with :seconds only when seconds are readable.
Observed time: 1:41
